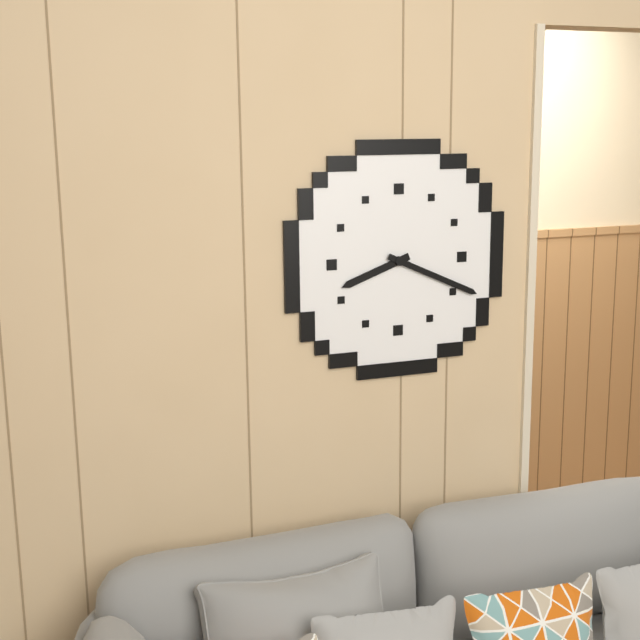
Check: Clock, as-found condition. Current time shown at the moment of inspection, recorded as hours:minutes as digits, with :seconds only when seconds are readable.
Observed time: 8:19
